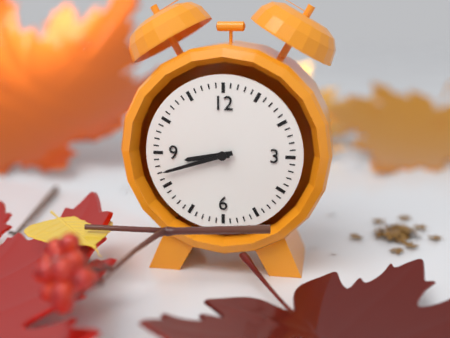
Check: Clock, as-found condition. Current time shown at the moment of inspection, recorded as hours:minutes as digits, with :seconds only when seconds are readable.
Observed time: 8:42
